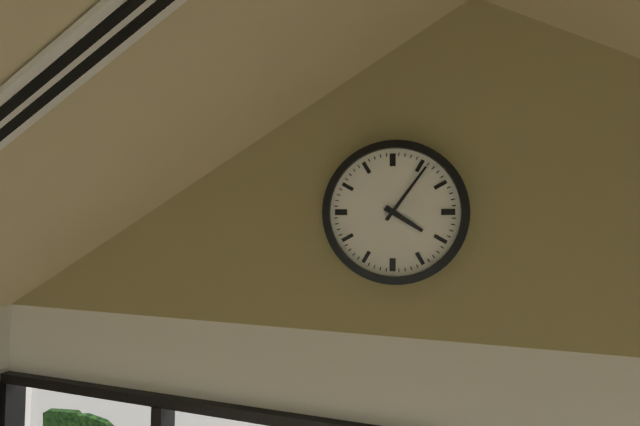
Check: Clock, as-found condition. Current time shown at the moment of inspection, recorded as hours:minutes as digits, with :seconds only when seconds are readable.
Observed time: 4:06
